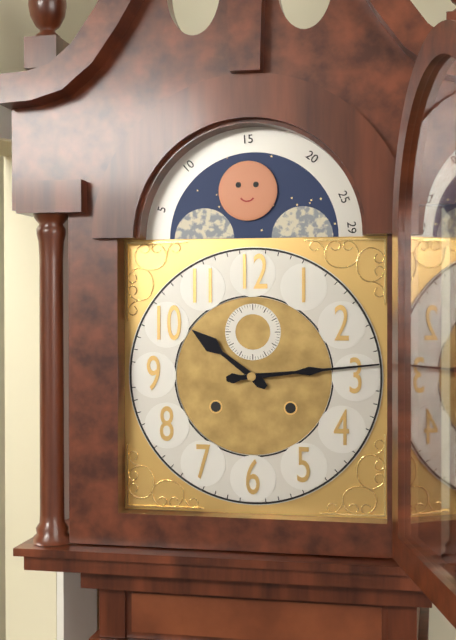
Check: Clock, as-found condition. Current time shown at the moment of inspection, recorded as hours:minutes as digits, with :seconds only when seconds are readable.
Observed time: 10:14
